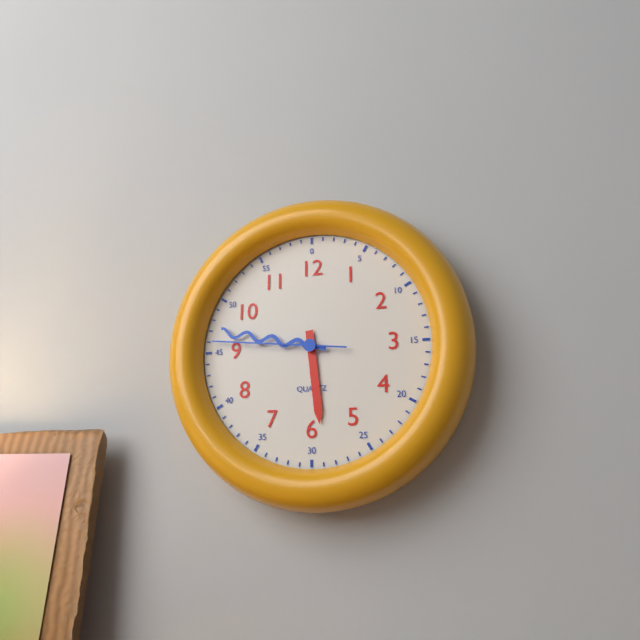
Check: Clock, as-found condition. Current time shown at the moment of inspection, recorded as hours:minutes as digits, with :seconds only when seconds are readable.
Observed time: 5:47:46
